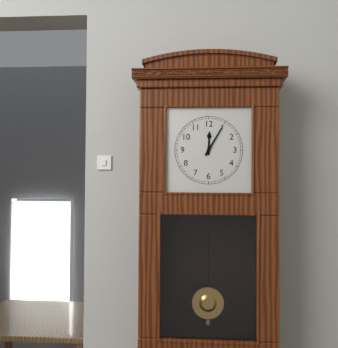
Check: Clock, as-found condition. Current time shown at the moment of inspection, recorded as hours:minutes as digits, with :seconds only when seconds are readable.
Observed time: 12:05
